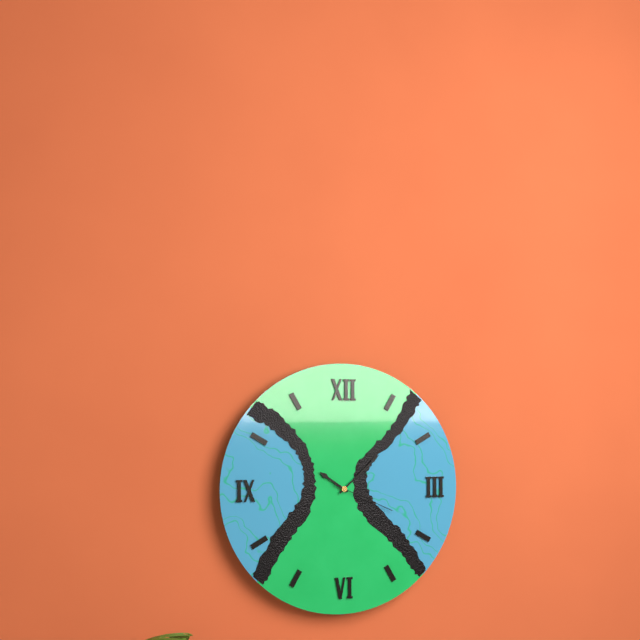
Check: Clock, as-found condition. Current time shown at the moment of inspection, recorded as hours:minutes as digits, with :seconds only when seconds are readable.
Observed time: 10:08:19
